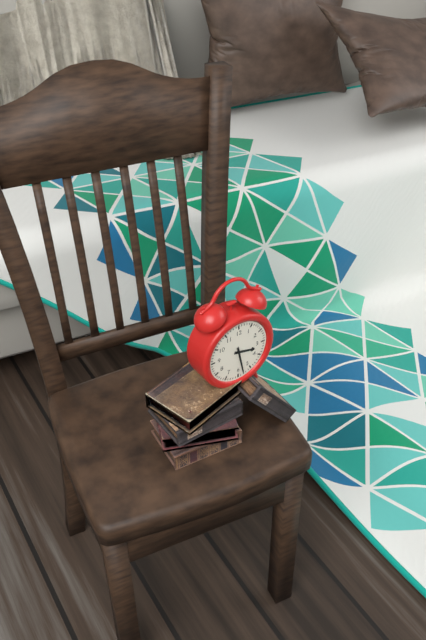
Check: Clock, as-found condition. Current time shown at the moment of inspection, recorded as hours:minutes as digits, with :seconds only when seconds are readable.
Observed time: 3:28
